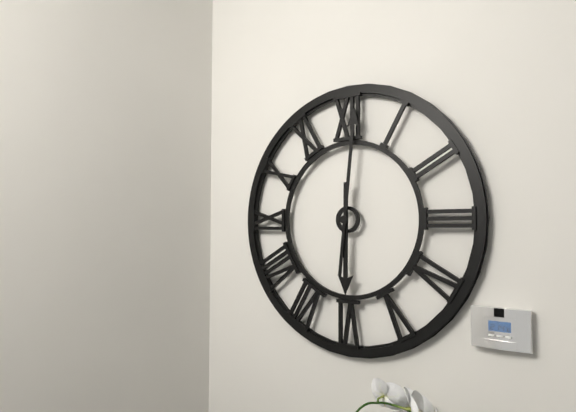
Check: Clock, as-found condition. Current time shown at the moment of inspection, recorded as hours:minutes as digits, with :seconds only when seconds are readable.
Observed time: 6:01
